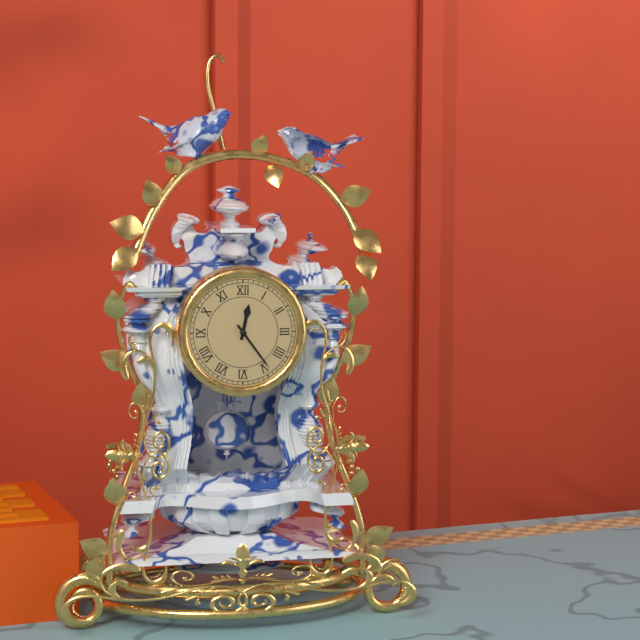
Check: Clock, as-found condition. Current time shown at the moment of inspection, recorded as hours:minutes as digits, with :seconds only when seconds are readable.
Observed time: 12:24
